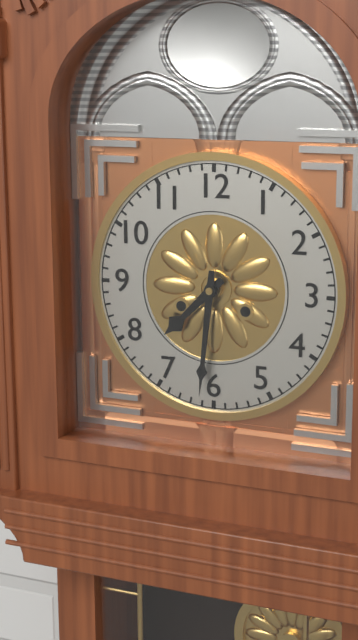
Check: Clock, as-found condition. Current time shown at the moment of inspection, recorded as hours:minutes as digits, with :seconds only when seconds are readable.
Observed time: 7:31
